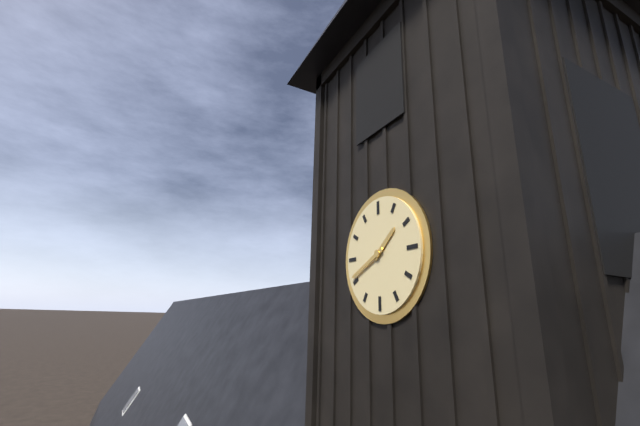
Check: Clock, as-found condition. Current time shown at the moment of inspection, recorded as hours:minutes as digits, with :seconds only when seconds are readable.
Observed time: 1:41
